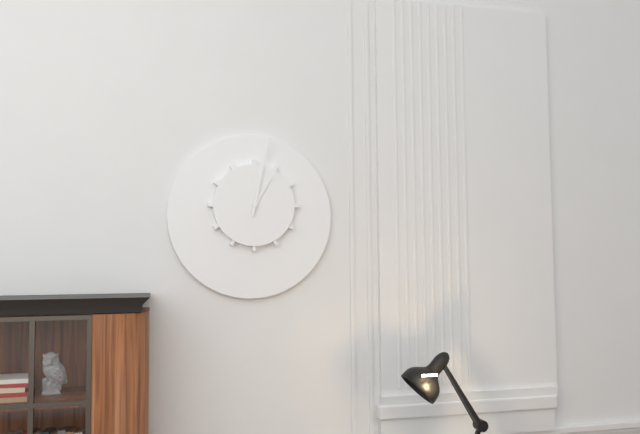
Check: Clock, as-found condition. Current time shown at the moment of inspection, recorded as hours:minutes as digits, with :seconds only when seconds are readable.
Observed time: 1:02
